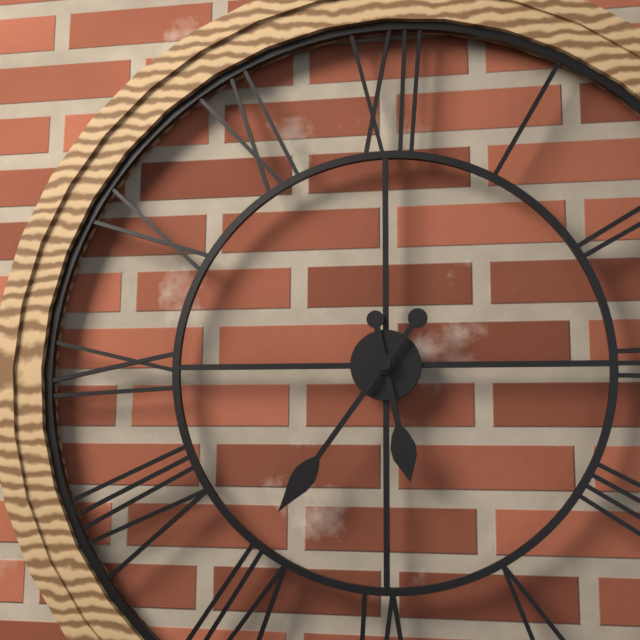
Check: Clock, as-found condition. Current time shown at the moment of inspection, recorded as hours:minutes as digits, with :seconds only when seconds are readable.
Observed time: 5:36
